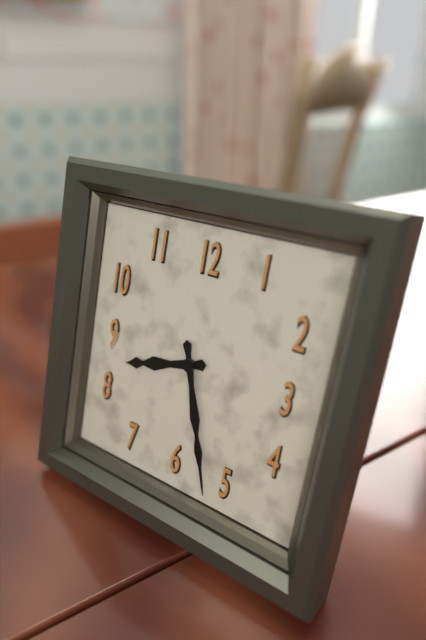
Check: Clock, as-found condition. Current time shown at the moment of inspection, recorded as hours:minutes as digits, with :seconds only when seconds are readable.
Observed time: 8:27
